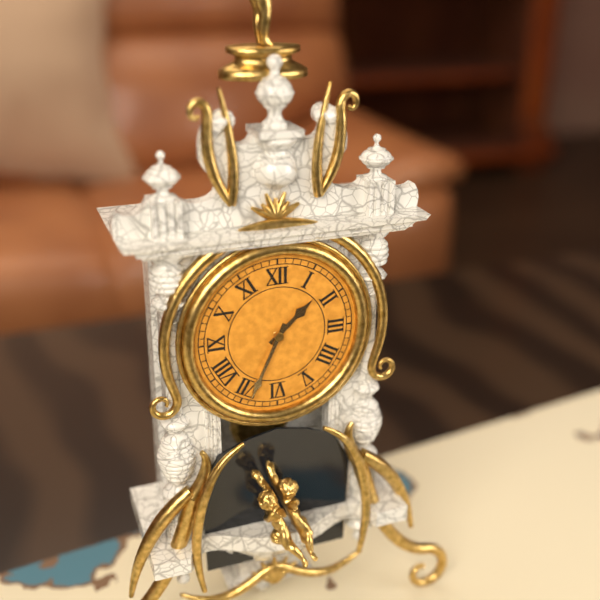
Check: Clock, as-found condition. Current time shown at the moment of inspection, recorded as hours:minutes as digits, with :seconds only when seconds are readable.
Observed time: 1:34
